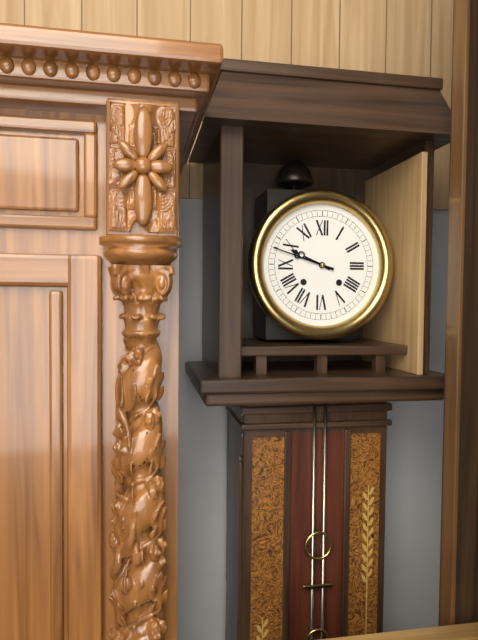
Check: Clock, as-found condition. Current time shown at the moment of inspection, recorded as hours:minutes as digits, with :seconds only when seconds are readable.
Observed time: 9:48
